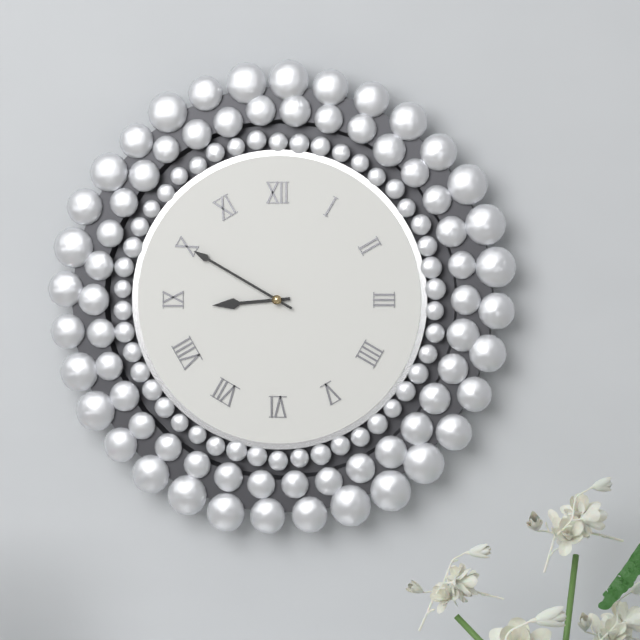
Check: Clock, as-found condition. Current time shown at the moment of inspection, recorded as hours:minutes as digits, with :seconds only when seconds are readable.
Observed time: 8:50
